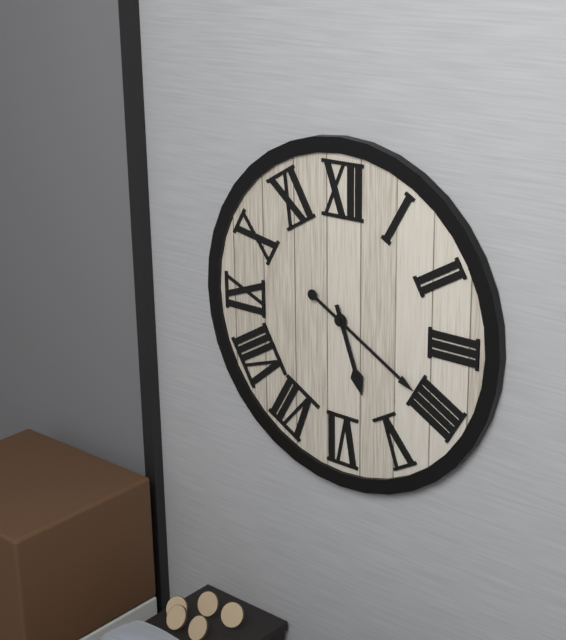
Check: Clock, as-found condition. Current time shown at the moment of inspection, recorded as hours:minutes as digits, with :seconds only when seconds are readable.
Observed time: 5:20
